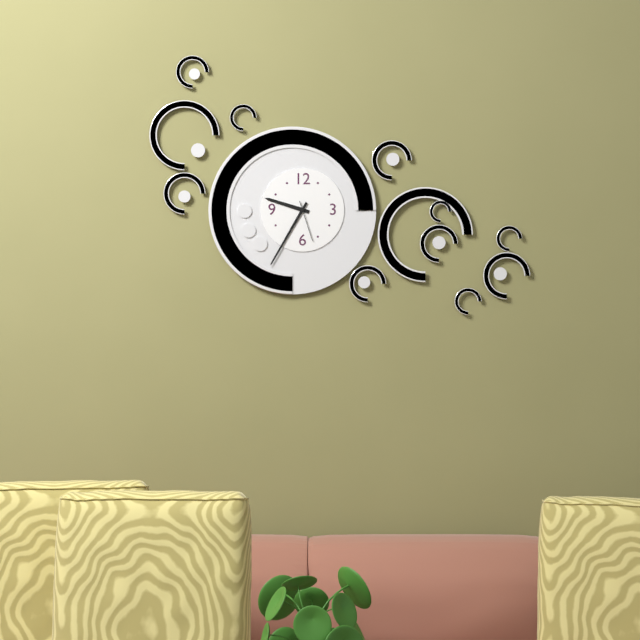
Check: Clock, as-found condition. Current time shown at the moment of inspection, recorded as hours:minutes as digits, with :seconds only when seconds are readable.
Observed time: 9:35
